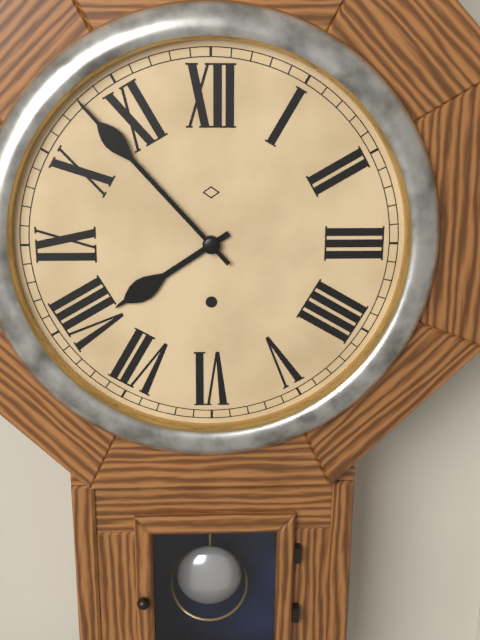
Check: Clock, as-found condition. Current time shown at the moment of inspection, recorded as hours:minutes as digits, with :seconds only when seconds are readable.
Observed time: 7:53
